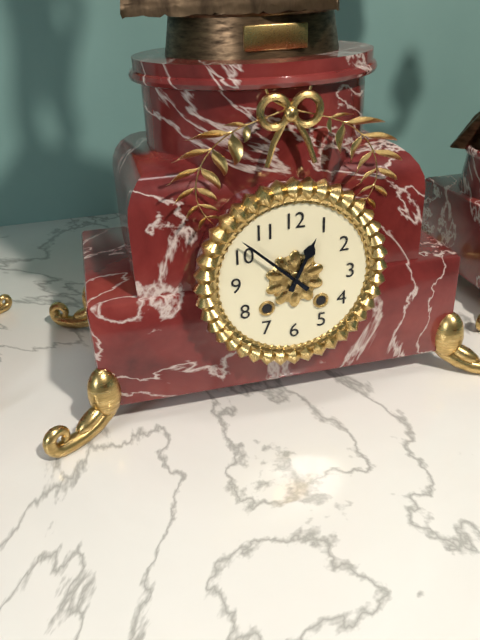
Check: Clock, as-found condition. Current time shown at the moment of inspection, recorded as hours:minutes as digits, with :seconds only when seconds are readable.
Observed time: 12:52
